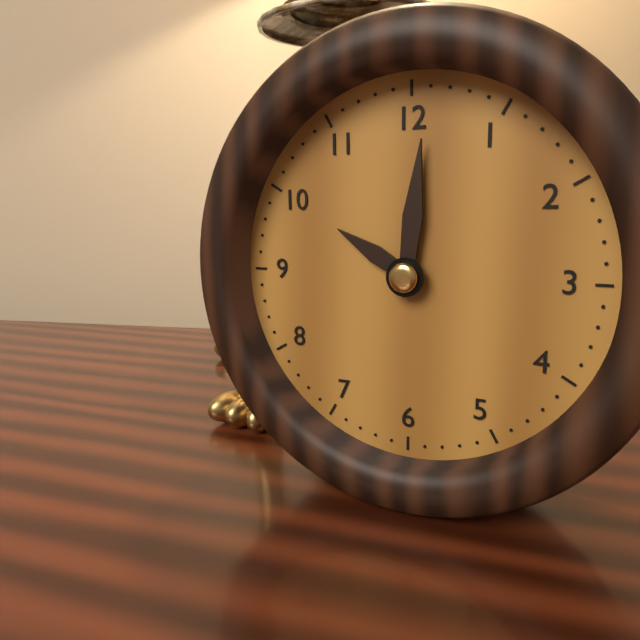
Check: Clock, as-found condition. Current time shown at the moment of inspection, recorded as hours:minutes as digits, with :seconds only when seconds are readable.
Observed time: 10:01
